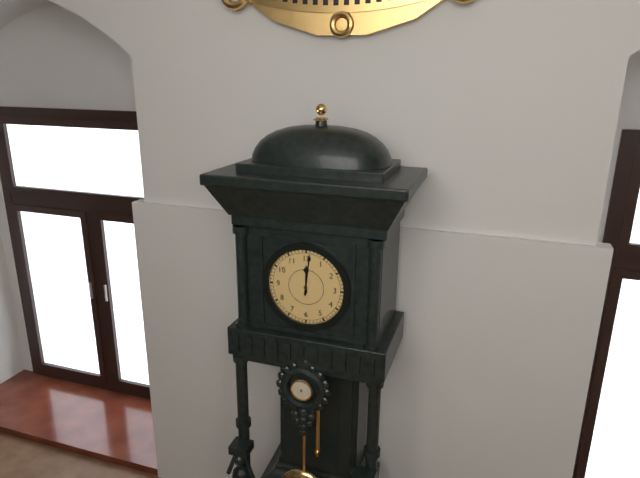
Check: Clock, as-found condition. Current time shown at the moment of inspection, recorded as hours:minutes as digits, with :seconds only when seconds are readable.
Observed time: 12:01
